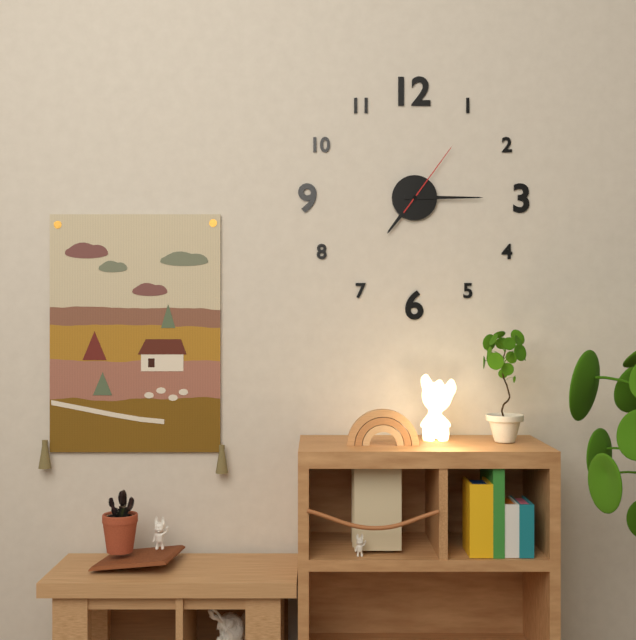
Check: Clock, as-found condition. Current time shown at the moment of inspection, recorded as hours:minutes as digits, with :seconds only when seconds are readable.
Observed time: 7:15:06
